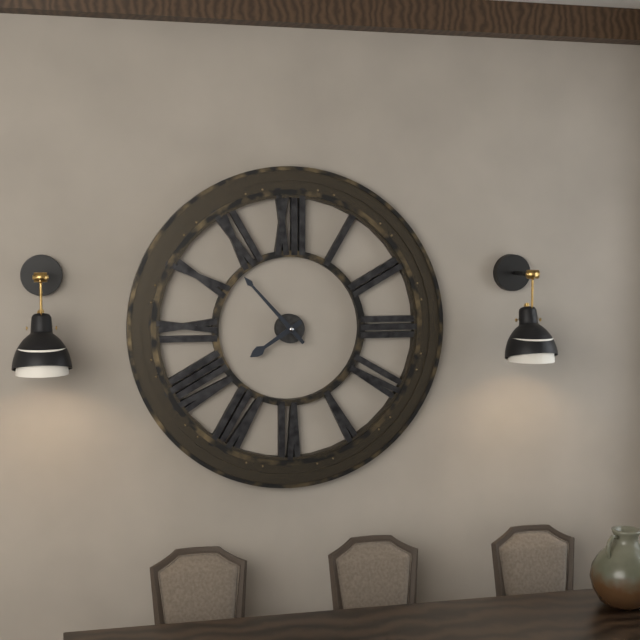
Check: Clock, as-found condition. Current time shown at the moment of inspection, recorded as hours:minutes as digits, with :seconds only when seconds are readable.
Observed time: 7:53
